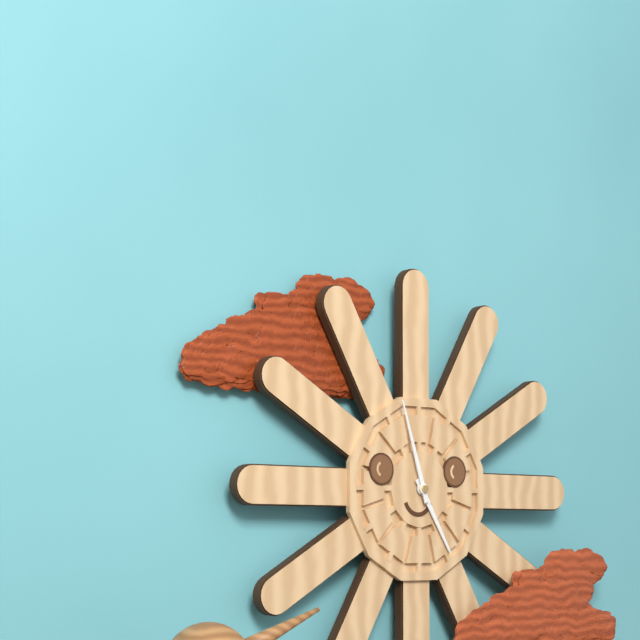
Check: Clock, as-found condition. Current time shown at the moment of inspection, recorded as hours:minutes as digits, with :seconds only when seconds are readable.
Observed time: 4:57
